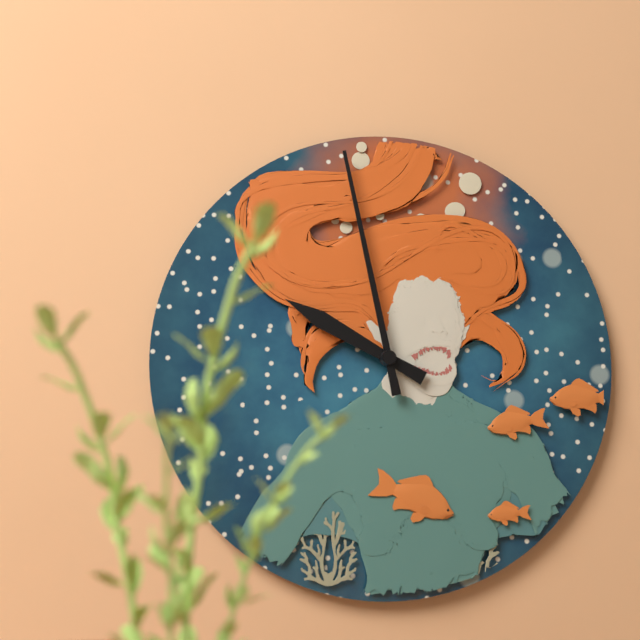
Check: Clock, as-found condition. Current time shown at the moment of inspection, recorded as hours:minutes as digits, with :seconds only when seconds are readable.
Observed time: 9:58
